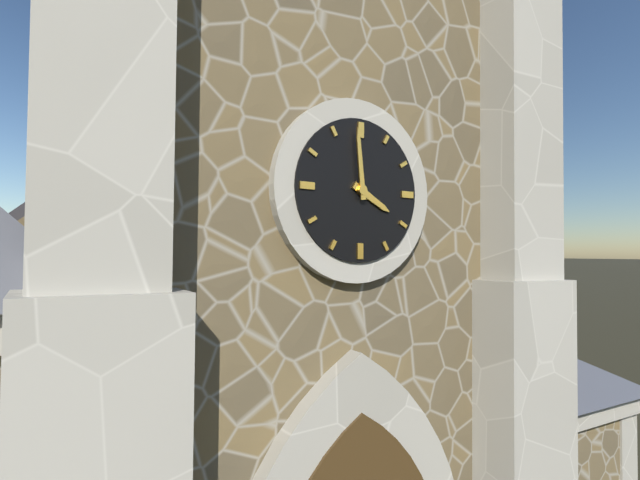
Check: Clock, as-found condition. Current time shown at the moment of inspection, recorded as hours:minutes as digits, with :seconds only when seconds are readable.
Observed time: 3:59
